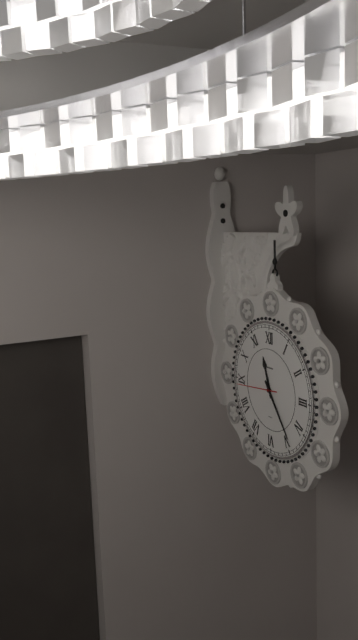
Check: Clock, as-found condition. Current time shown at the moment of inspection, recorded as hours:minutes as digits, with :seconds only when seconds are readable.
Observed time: 11:24
